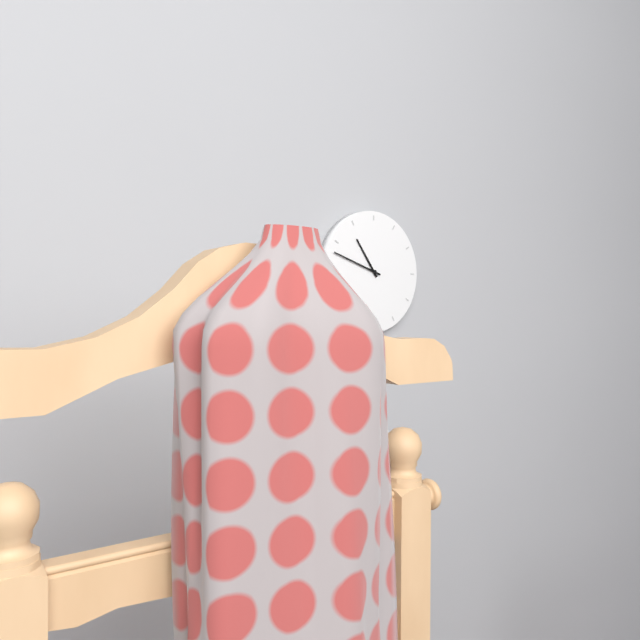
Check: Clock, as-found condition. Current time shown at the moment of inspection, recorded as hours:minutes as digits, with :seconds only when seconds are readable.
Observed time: 10:48
